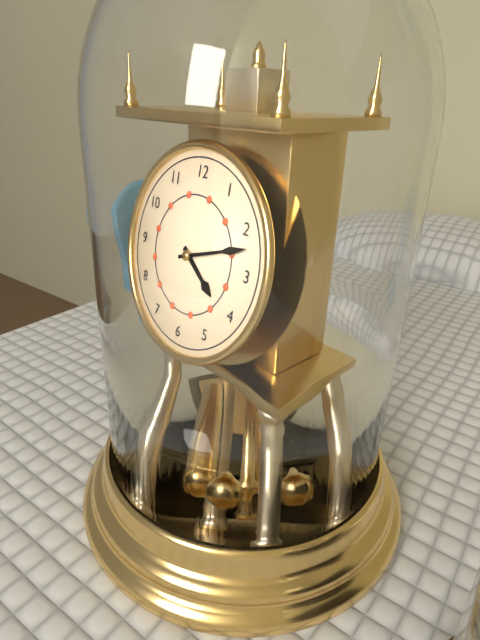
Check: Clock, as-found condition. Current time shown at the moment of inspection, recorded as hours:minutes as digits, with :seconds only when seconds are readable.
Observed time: 4:12
